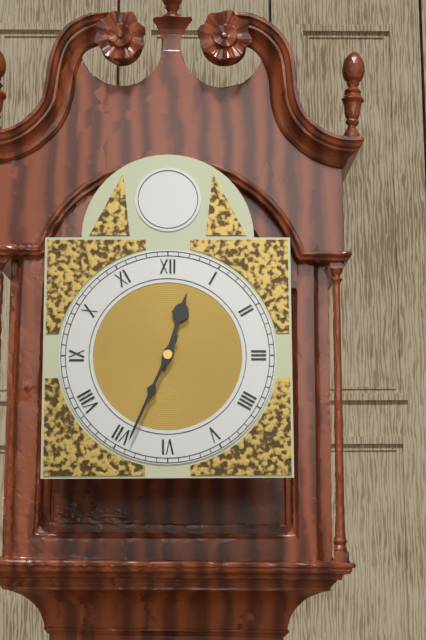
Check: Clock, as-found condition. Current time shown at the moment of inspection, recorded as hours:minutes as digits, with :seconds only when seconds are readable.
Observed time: 12:34
